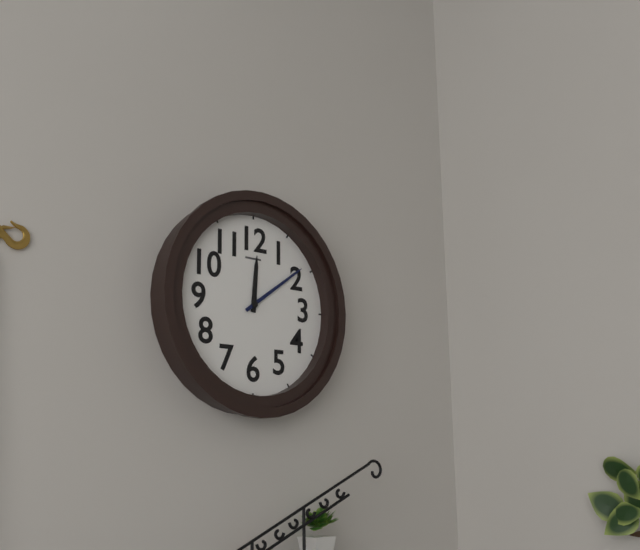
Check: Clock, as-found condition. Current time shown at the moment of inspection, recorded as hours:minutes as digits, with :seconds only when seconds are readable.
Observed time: 12:09
